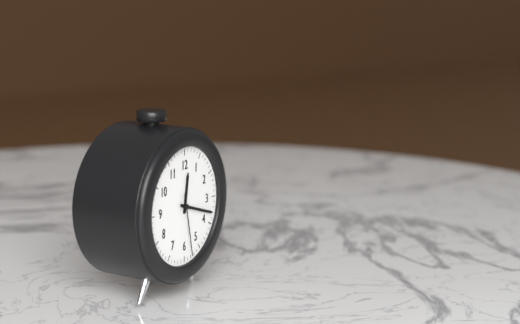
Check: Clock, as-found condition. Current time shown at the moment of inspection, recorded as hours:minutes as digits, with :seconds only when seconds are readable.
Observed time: 12:18:28
